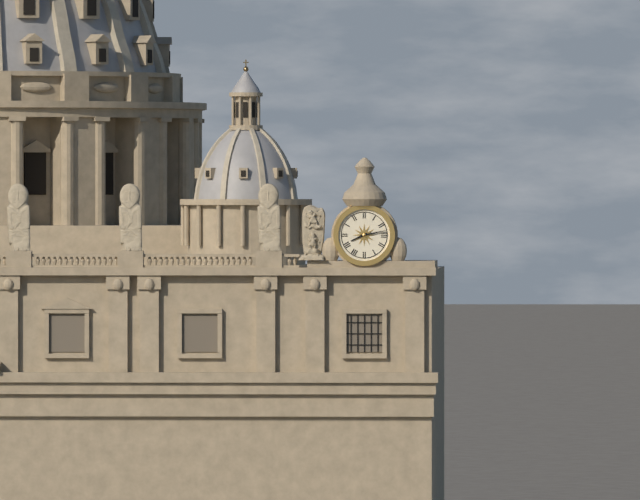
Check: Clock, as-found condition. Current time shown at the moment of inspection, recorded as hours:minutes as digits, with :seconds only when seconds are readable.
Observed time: 8:13
